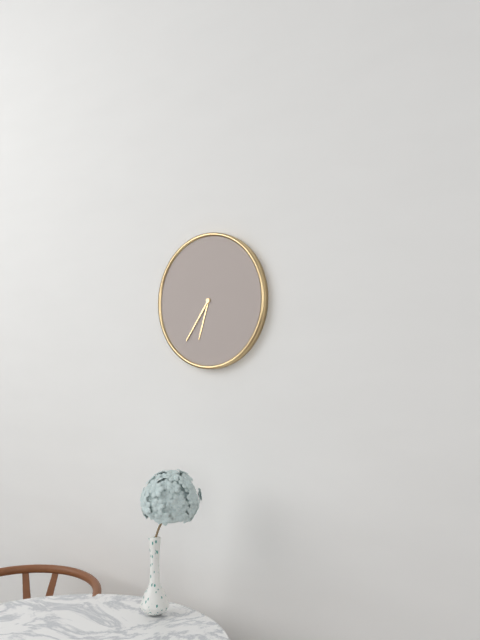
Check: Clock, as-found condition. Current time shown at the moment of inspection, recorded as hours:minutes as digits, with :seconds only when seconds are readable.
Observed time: 6:36
